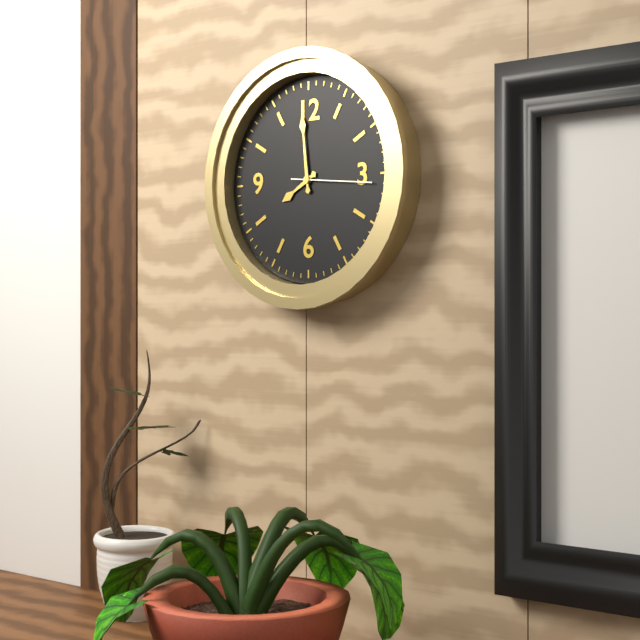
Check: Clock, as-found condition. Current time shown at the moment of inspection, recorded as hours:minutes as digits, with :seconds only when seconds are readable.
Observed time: 7:59:16
